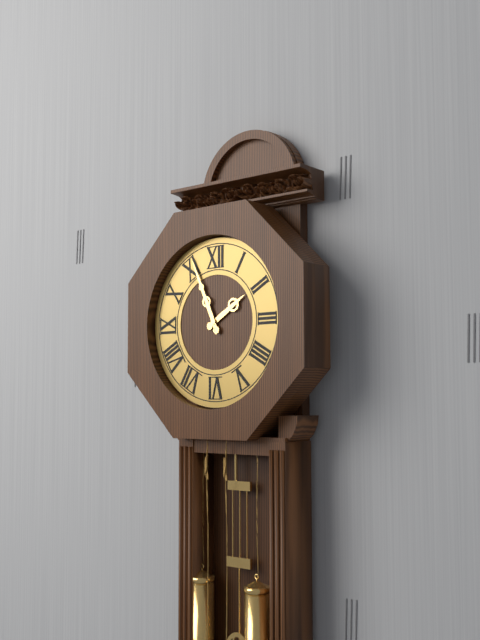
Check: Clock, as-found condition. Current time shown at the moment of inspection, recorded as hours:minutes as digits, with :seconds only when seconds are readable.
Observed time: 1:56
